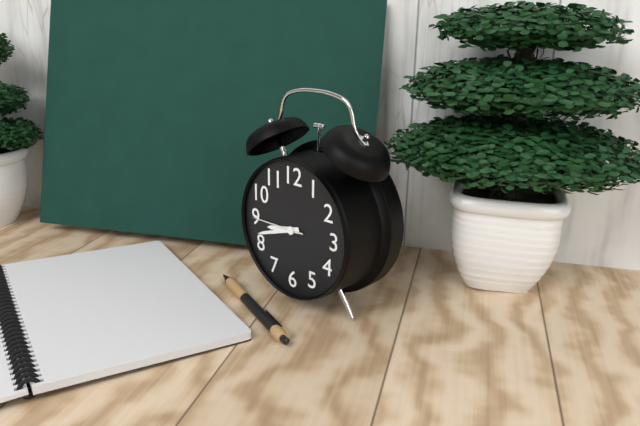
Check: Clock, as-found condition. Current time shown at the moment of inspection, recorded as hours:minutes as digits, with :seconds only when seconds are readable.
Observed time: 8:42:45
